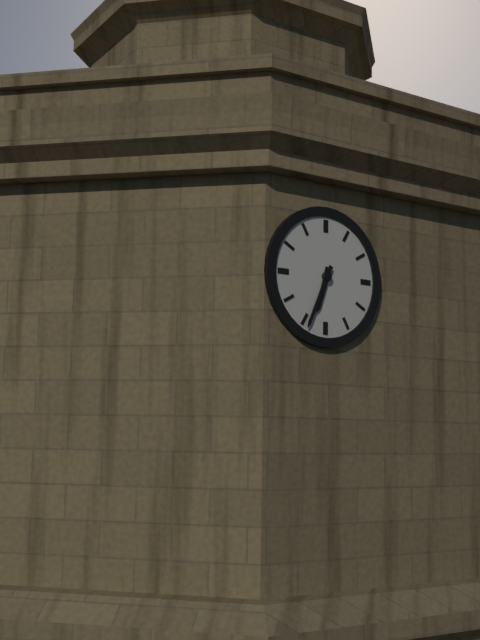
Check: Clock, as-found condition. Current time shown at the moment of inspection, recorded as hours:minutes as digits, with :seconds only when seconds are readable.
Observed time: 6:34
